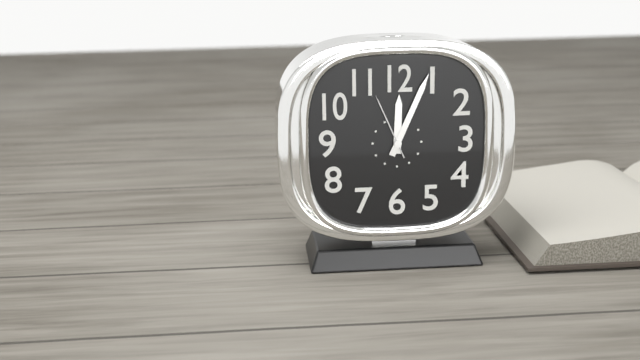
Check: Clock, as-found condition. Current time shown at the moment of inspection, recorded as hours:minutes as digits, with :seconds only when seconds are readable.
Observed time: 12:04:56
